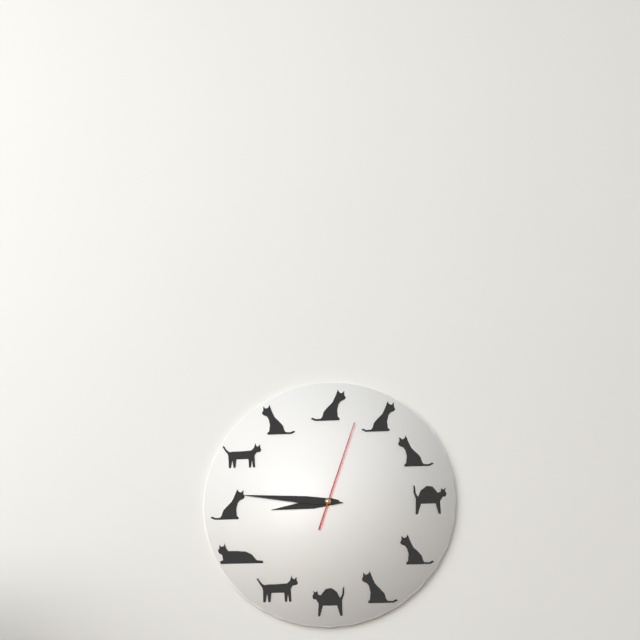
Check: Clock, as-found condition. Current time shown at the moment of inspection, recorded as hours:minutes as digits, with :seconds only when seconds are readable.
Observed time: 8:46:03
